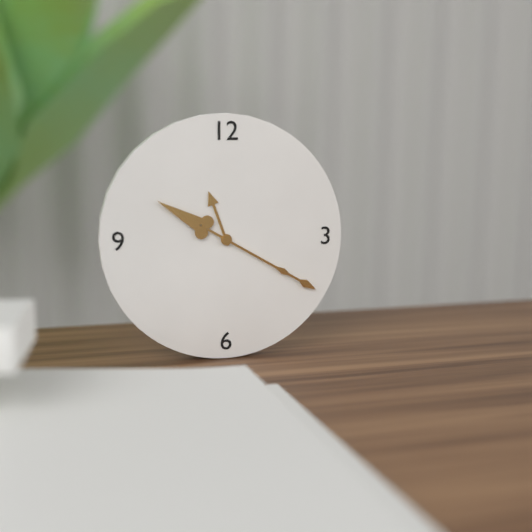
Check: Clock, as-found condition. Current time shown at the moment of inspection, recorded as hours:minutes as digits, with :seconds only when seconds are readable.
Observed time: 11:20
